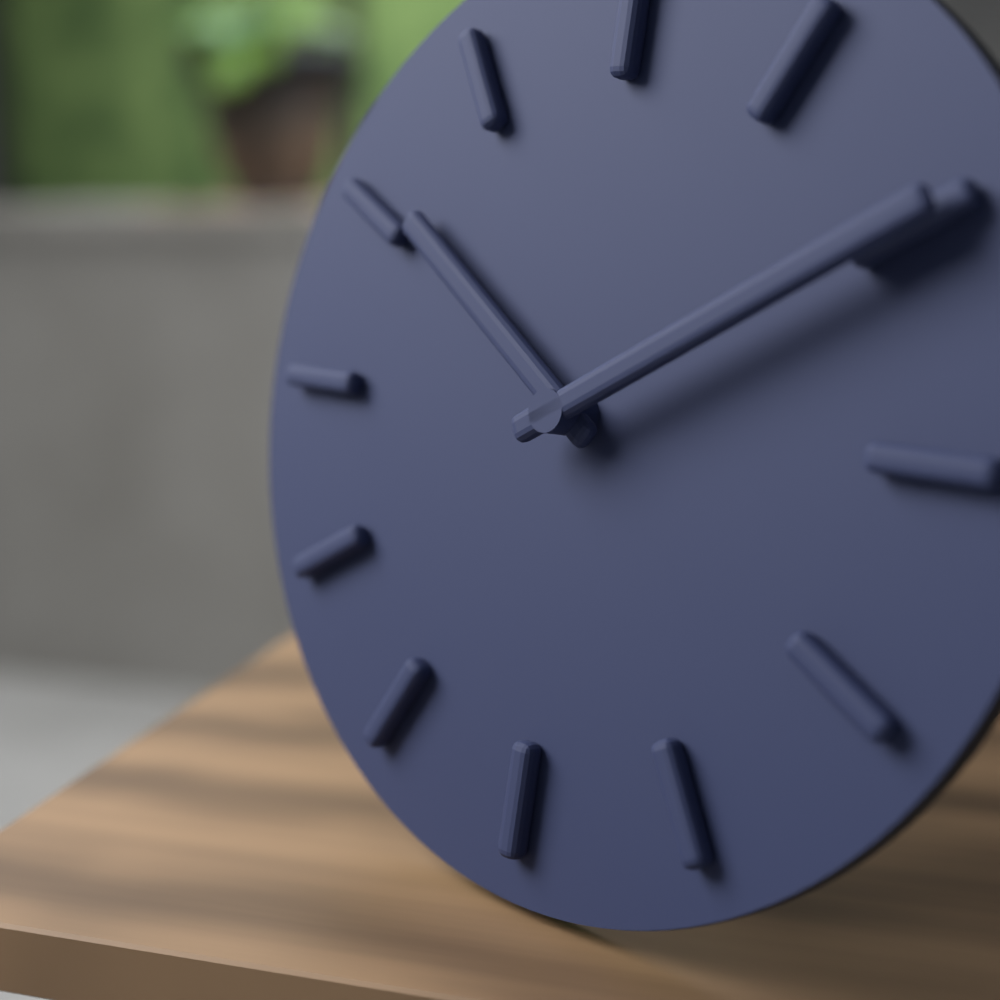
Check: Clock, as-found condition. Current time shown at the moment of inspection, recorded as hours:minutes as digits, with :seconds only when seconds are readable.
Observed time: 10:10
